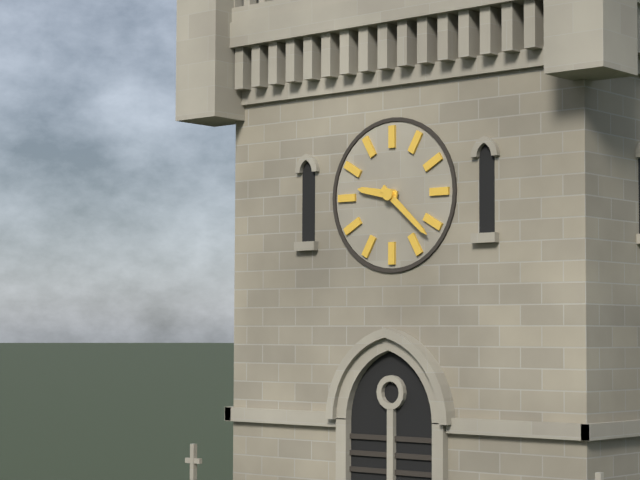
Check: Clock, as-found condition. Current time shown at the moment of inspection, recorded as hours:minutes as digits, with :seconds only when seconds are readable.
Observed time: 9:22
